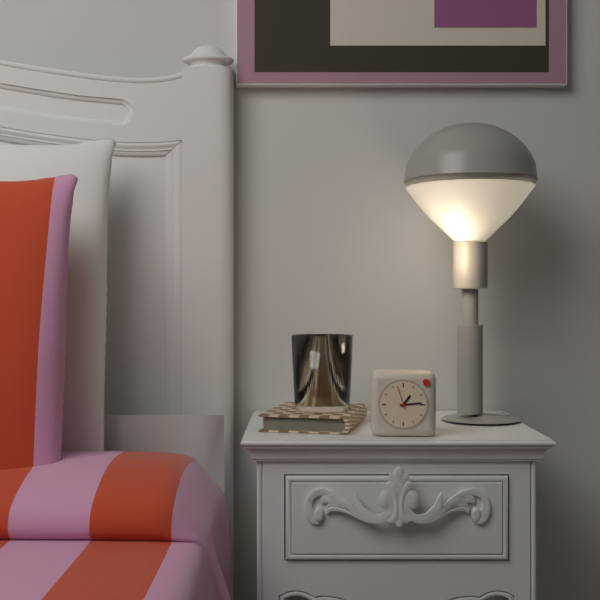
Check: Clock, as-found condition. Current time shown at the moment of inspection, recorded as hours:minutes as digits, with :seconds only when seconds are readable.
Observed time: 1:14
